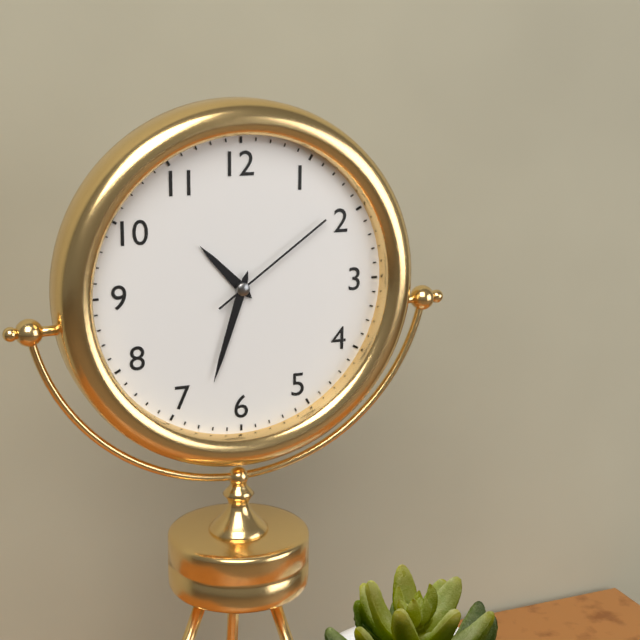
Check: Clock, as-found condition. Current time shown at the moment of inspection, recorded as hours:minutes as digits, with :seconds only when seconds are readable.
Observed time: 10:33:09
